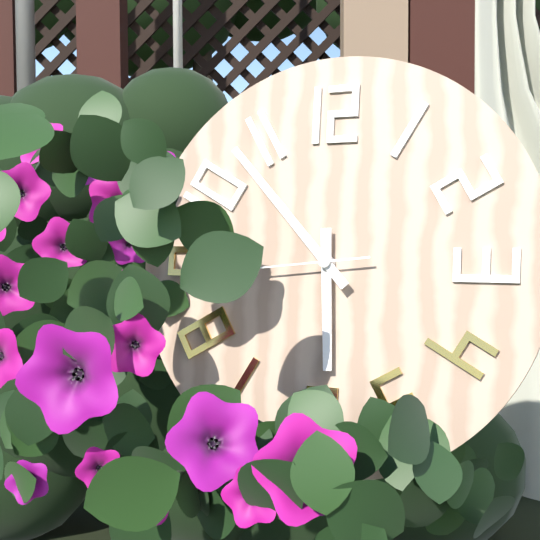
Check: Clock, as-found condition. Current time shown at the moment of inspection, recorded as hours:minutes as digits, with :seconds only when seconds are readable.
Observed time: 5:53
